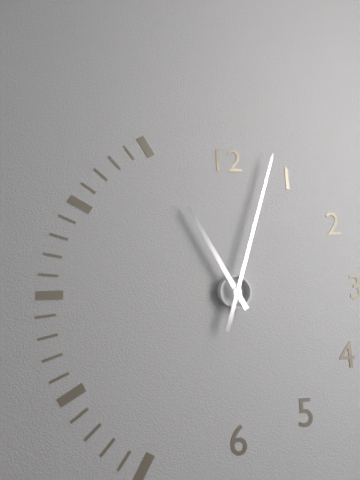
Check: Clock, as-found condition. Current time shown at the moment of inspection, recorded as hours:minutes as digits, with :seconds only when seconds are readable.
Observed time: 11:03
